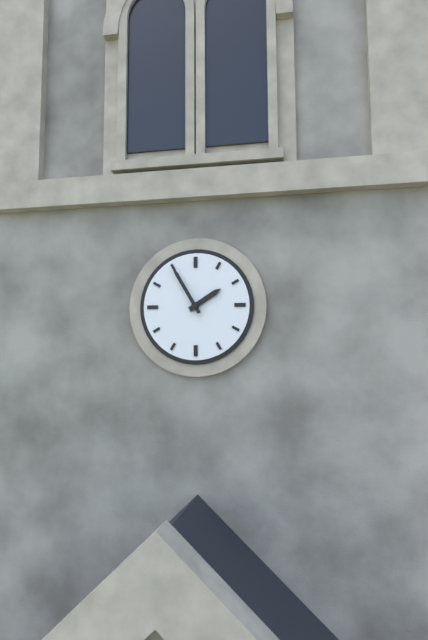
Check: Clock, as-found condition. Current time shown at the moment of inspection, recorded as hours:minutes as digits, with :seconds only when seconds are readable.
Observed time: 1:55
